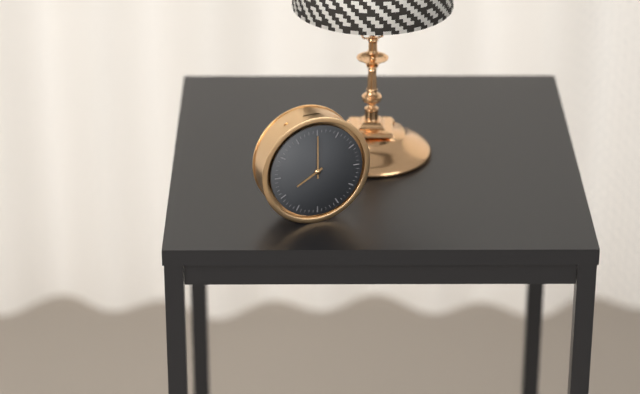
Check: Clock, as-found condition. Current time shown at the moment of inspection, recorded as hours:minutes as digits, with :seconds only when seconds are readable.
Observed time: 8:00
